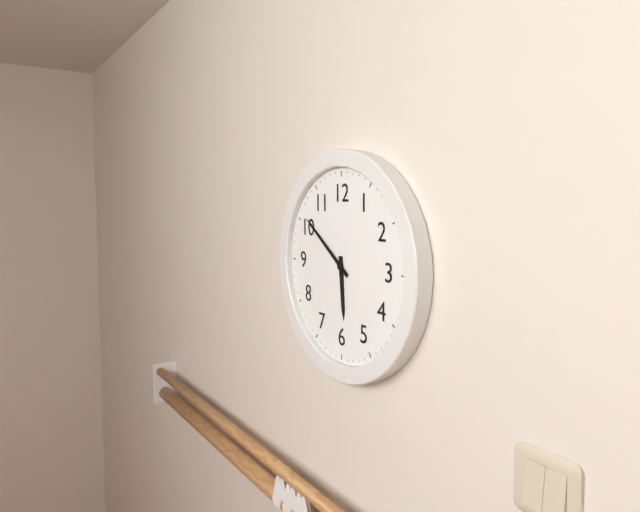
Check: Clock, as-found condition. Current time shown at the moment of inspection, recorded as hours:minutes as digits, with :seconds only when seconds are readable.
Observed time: 5:51
